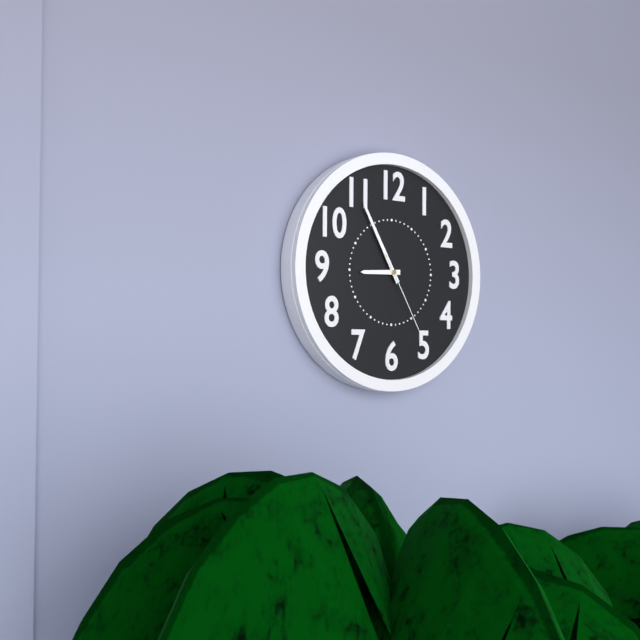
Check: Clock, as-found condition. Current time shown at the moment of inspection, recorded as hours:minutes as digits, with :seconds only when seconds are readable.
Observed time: 8:55:25
